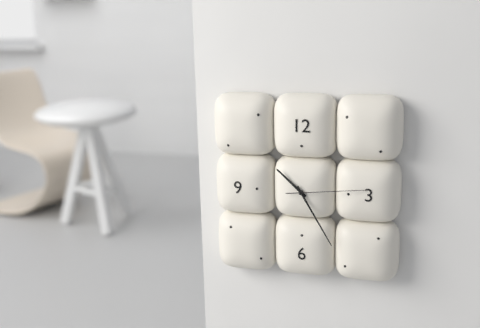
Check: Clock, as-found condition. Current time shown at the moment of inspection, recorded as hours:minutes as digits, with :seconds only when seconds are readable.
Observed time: 10:25:14
